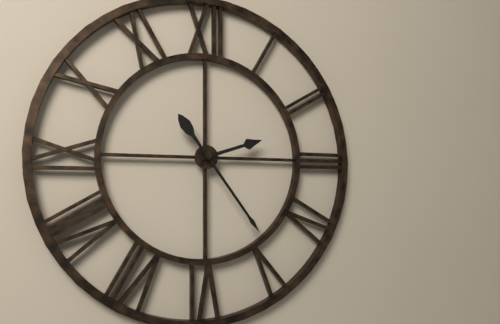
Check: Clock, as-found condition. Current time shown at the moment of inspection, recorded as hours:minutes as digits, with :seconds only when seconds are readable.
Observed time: 2:24
